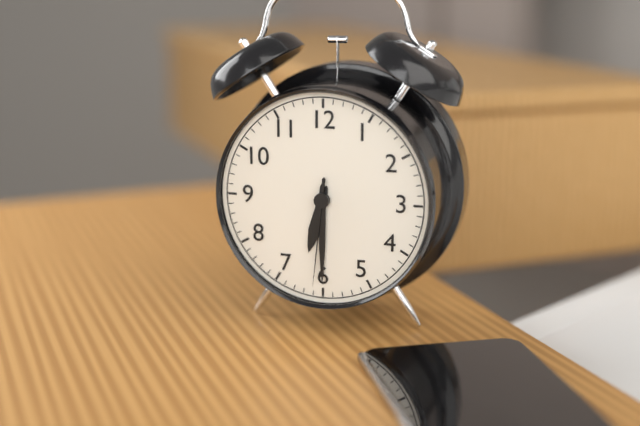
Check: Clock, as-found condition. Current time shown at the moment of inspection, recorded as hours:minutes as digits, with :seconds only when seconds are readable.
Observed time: 6:30:31
